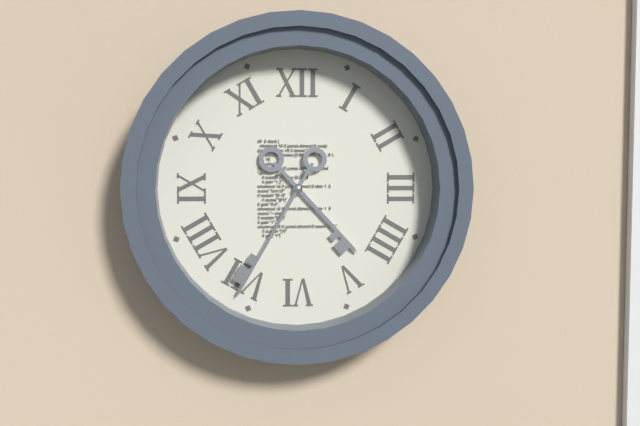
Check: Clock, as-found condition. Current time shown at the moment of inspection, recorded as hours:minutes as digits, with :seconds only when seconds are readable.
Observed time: 4:35
